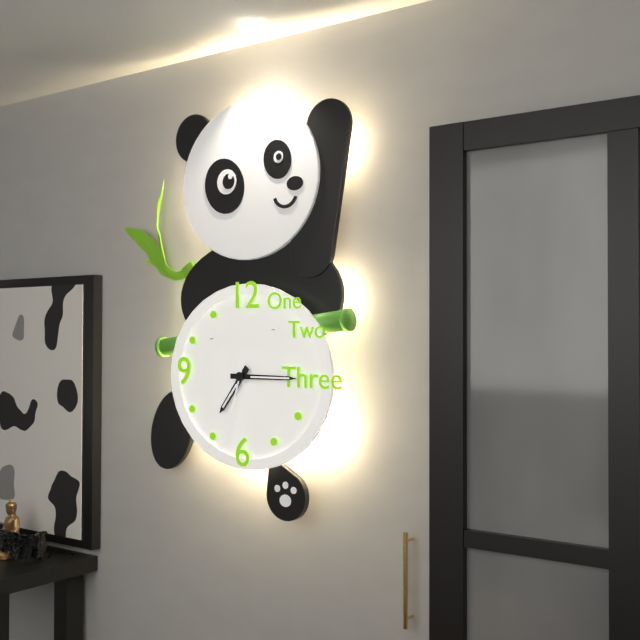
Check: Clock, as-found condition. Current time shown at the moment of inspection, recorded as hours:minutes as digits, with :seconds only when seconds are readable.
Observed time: 7:15:33
